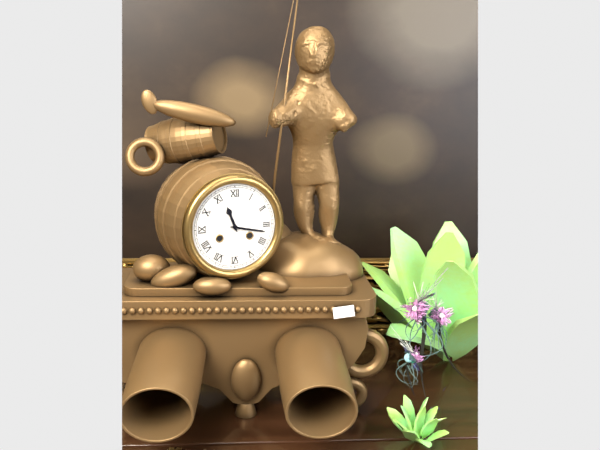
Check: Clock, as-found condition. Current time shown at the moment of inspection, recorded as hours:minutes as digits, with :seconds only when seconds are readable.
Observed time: 11:17
